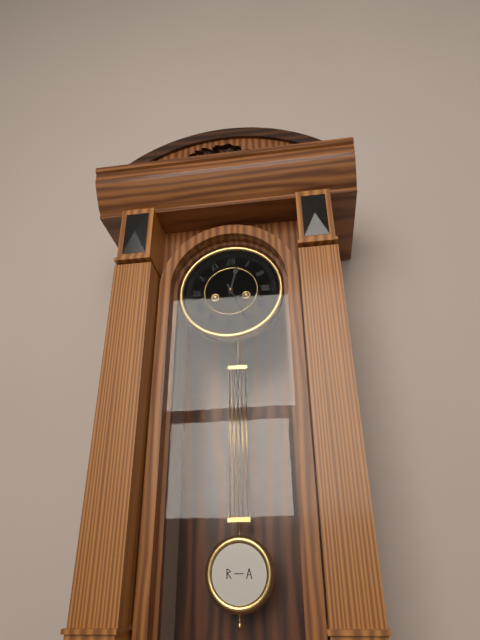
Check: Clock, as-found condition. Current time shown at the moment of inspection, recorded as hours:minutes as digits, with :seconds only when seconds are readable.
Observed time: 12:26
